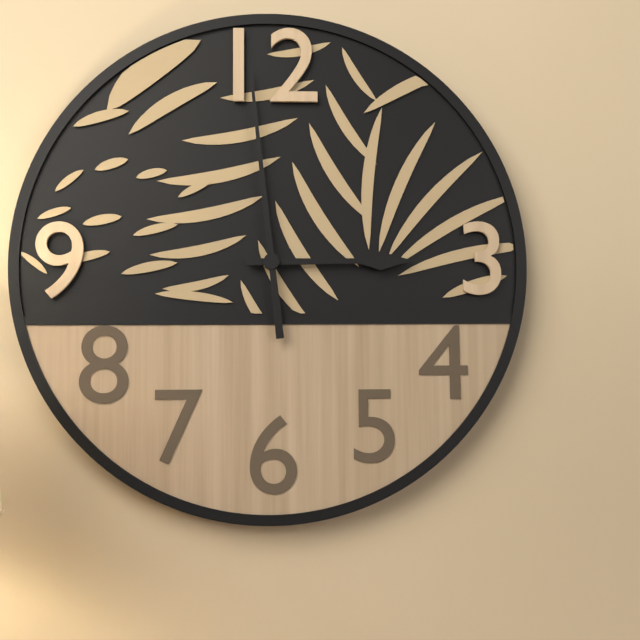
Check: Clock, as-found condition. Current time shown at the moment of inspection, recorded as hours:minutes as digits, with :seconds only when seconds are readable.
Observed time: 2:59
